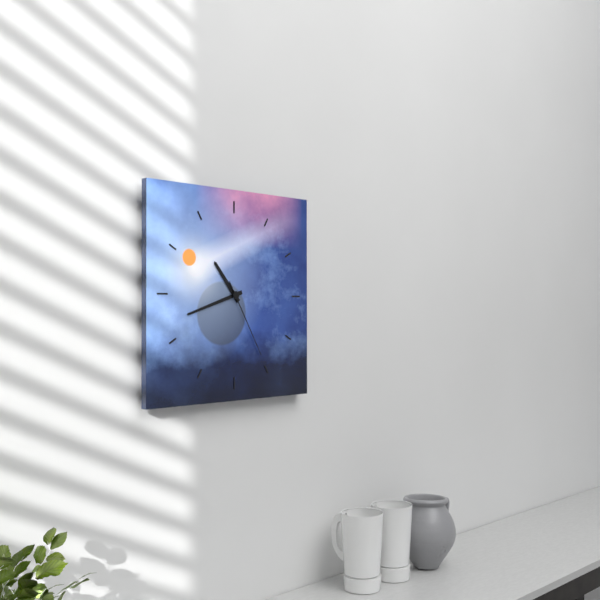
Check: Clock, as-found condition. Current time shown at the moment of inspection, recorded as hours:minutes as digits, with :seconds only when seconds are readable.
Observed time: 10:42:25
